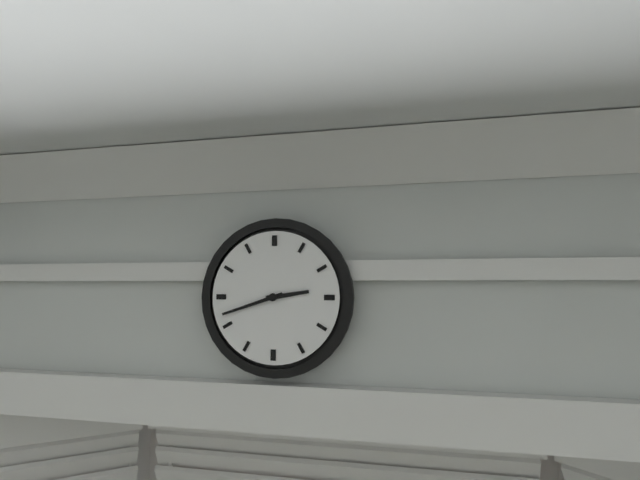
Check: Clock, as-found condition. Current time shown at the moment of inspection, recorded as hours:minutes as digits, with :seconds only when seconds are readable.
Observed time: 2:42
